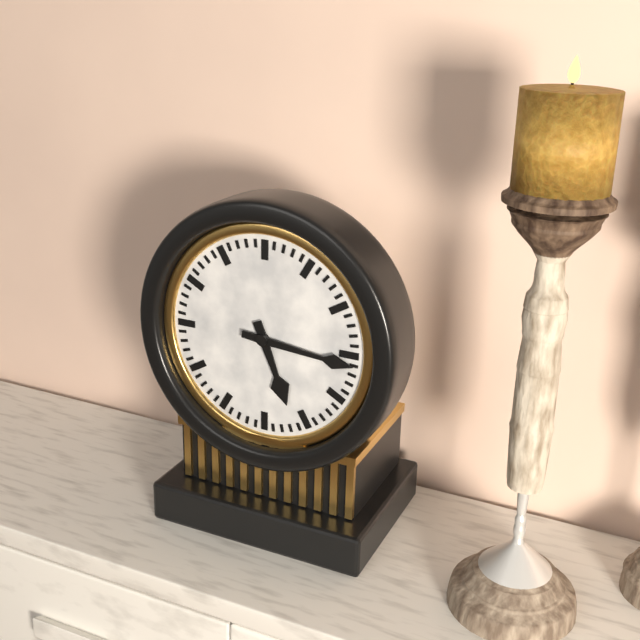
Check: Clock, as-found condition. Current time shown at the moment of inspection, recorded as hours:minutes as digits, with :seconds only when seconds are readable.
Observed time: 5:16
